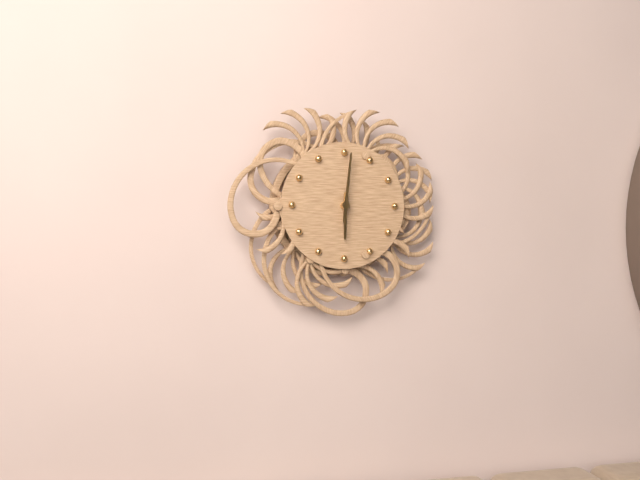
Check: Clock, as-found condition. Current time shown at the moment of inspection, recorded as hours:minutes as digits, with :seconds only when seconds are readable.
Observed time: 6:01
